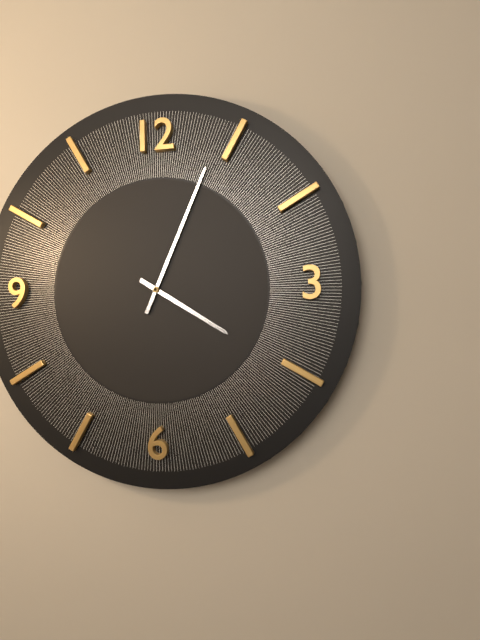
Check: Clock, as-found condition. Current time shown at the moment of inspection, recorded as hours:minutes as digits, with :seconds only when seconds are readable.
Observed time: 4:04
